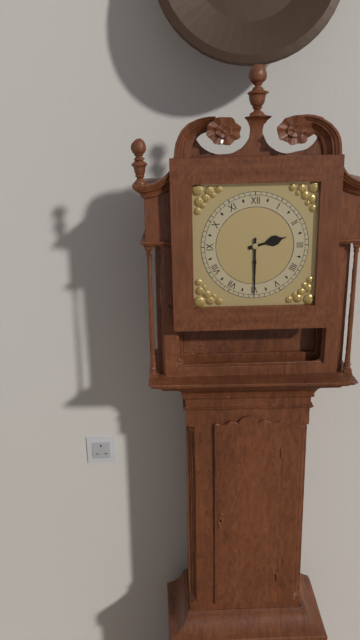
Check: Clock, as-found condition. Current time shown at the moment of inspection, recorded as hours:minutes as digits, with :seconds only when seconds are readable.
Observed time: 2:30
